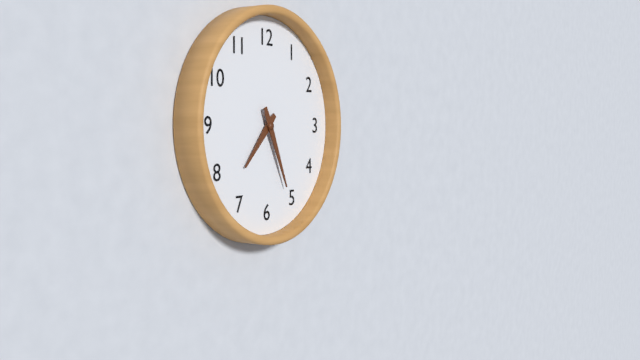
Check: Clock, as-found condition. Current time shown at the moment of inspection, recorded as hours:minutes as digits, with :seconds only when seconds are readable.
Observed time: 7:26
